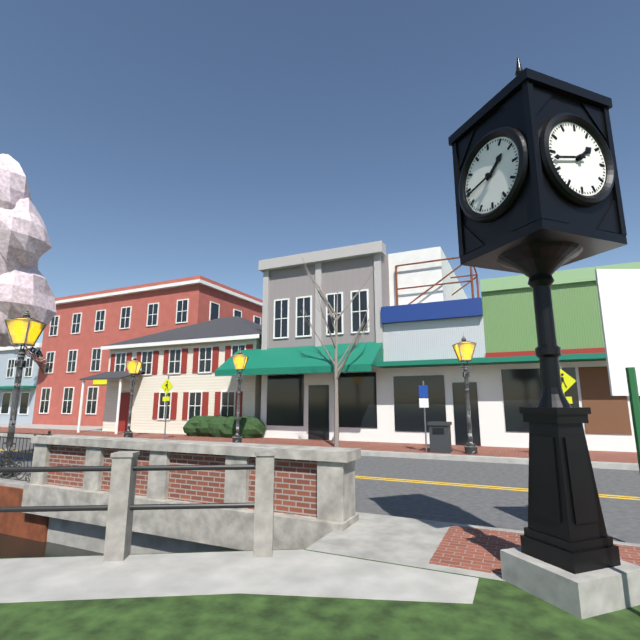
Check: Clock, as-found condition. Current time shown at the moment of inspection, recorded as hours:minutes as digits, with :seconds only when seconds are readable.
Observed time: 1:43
